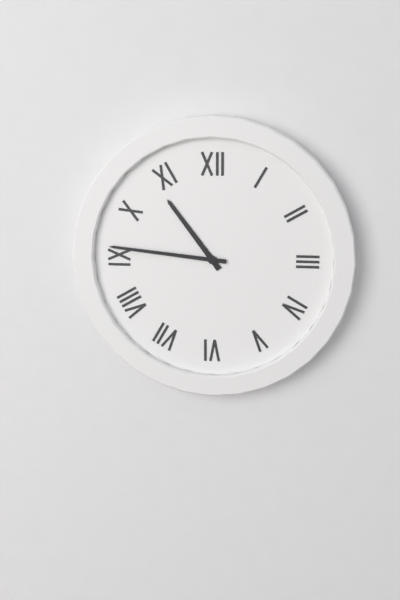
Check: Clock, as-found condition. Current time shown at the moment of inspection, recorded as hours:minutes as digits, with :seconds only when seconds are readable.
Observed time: 10:46
